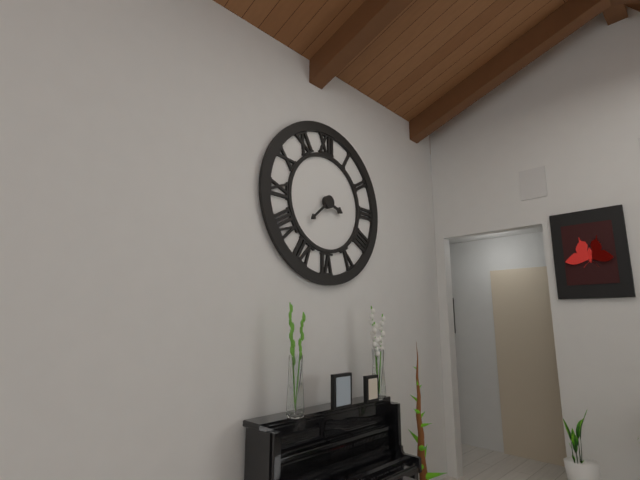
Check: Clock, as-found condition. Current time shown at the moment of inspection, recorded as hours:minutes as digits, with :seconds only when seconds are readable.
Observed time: 3:38
